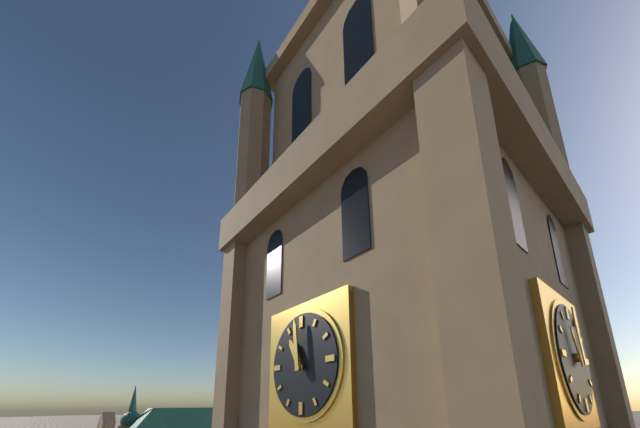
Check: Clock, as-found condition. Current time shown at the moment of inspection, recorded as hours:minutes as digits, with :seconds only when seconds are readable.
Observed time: 10:59
